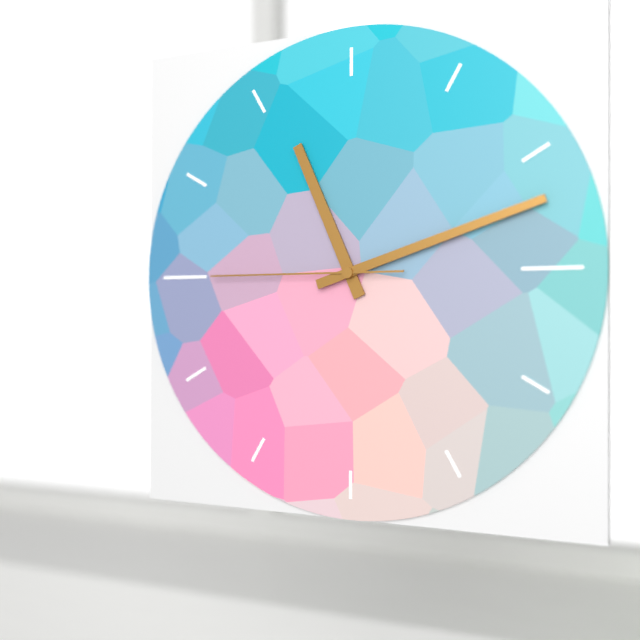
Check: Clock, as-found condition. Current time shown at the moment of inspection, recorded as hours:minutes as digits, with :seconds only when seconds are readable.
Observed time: 11:12:45
